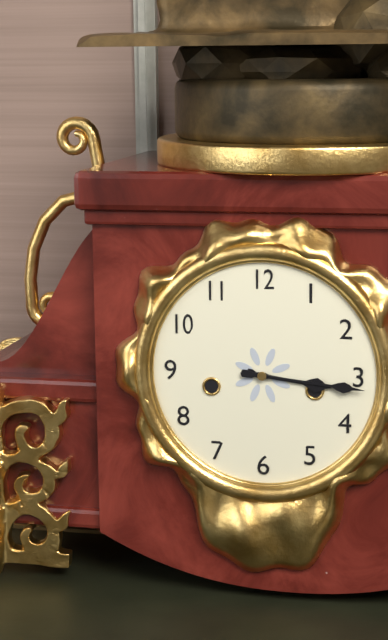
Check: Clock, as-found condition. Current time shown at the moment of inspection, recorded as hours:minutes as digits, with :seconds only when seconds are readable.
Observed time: 3:16
